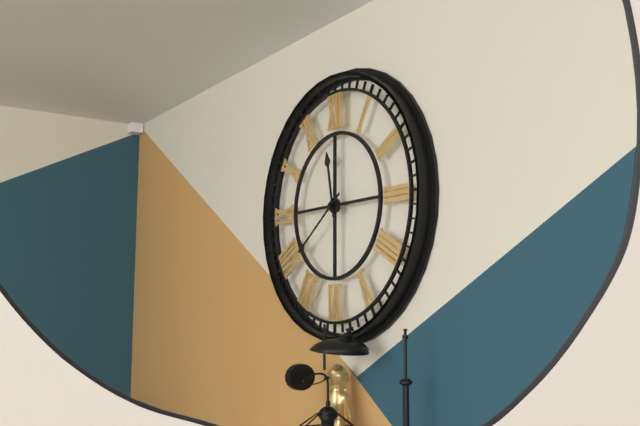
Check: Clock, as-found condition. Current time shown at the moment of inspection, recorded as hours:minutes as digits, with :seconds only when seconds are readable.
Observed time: 11:39
